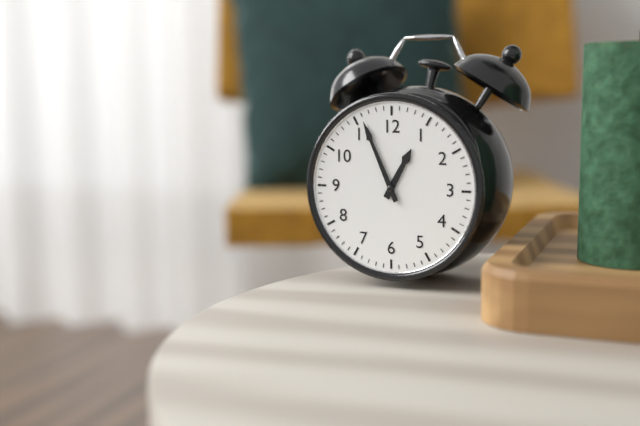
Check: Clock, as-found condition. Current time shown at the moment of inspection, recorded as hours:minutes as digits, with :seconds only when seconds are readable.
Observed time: 12:56
